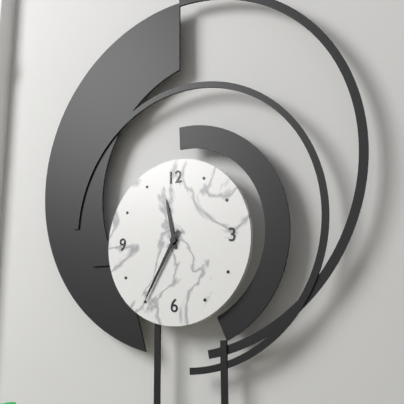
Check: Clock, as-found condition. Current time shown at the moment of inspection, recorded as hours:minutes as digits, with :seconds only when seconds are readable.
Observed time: 11:35
